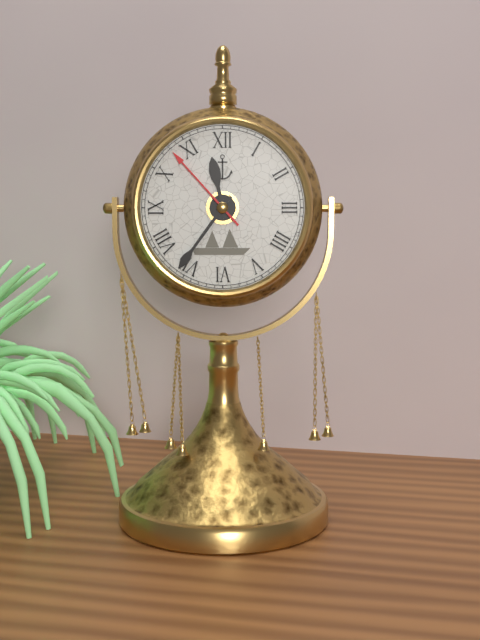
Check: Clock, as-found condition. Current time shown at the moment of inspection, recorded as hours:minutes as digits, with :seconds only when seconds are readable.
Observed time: 11:36:53
